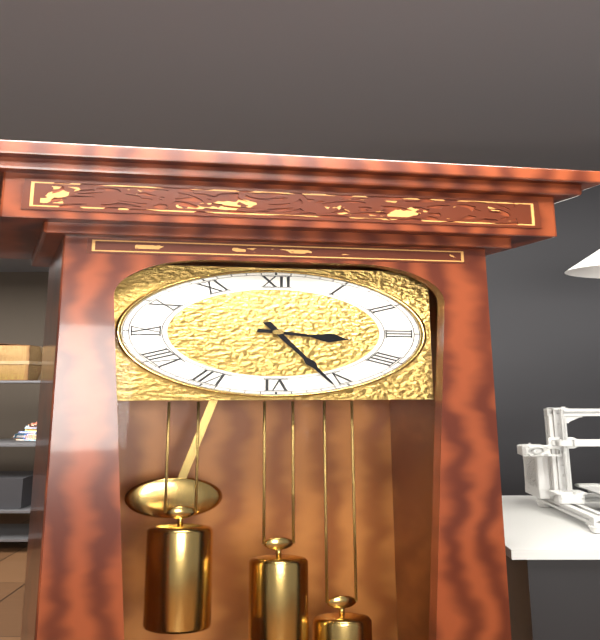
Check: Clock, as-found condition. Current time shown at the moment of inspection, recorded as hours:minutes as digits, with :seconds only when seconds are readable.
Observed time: 3:26
